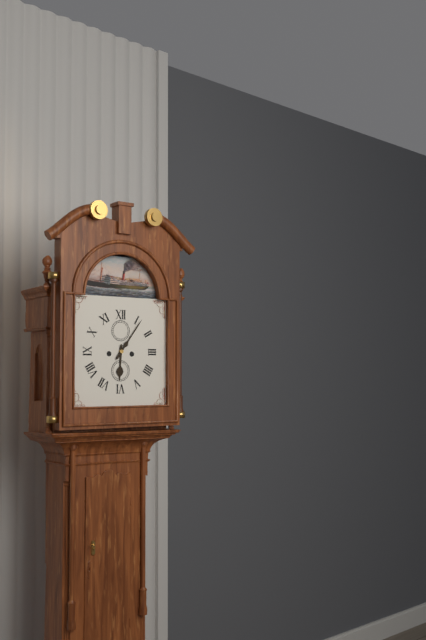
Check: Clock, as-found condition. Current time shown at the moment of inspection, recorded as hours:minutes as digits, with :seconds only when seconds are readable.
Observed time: 6:06
